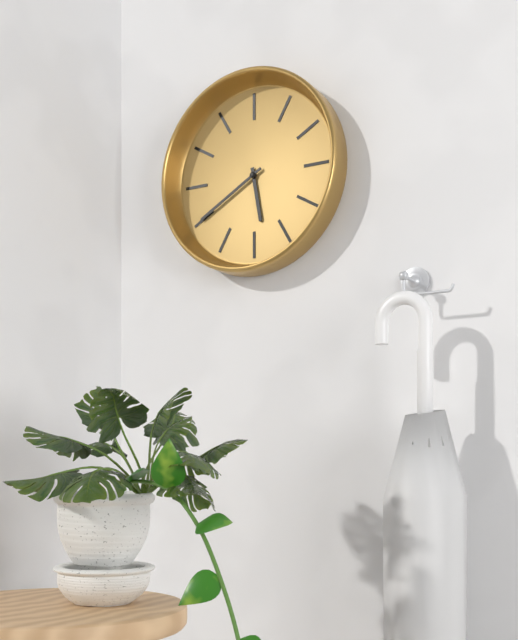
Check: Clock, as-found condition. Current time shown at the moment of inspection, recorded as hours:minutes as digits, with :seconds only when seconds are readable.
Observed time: 5:40
